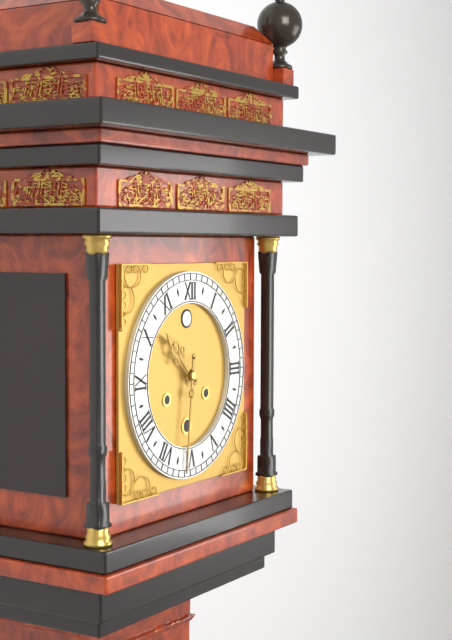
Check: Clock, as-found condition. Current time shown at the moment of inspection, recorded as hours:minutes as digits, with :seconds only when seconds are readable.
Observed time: 10:31
